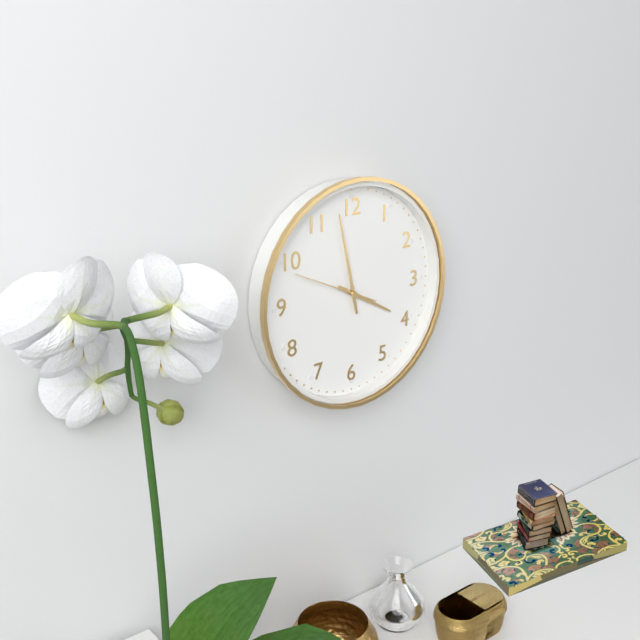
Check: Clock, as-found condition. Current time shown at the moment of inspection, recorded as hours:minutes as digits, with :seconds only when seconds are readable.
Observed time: 3:58:49
